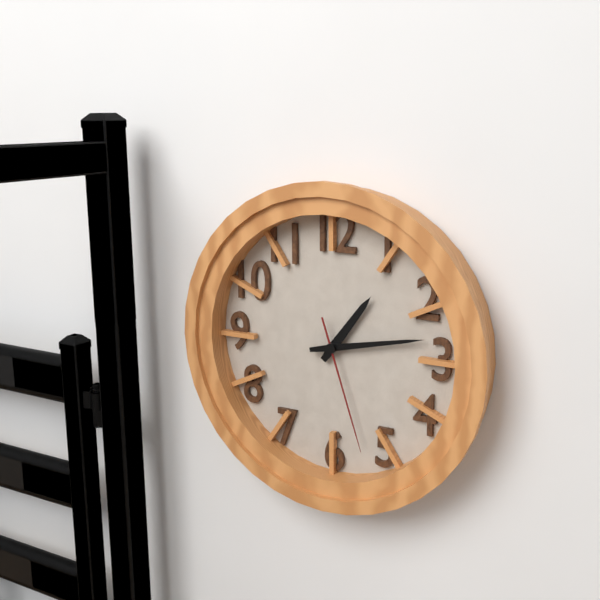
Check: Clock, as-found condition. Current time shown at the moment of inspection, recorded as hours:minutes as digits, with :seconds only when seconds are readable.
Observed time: 1:13:27
